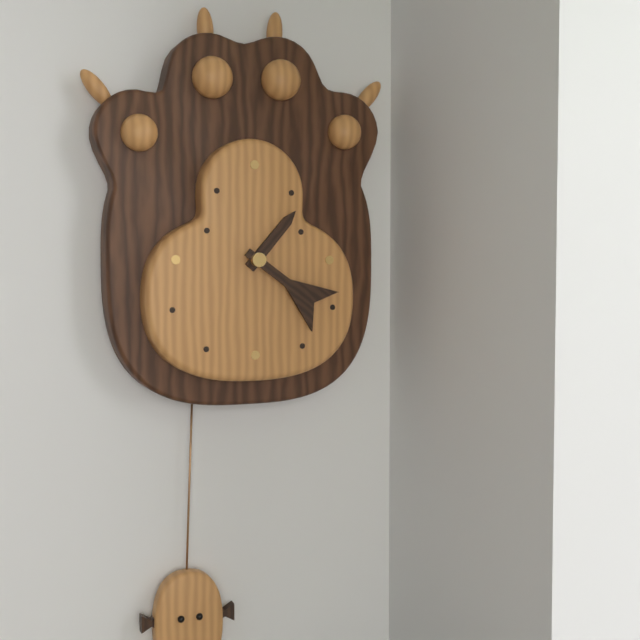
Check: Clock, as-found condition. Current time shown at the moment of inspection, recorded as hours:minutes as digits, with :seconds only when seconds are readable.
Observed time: 1:21
